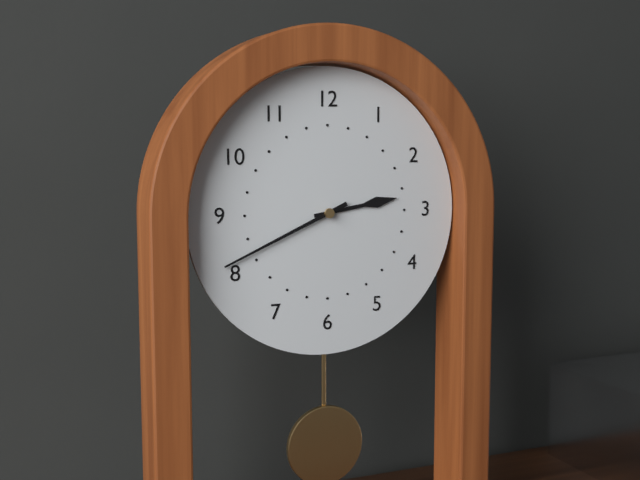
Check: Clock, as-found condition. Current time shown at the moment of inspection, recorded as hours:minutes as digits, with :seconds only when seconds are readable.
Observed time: 2:41
